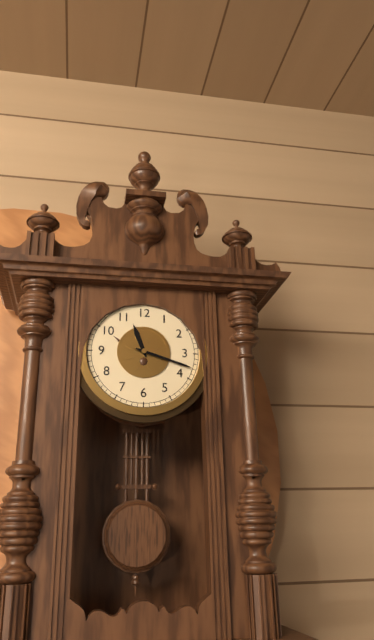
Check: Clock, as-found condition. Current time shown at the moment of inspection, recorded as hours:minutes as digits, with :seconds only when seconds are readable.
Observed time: 11:18
